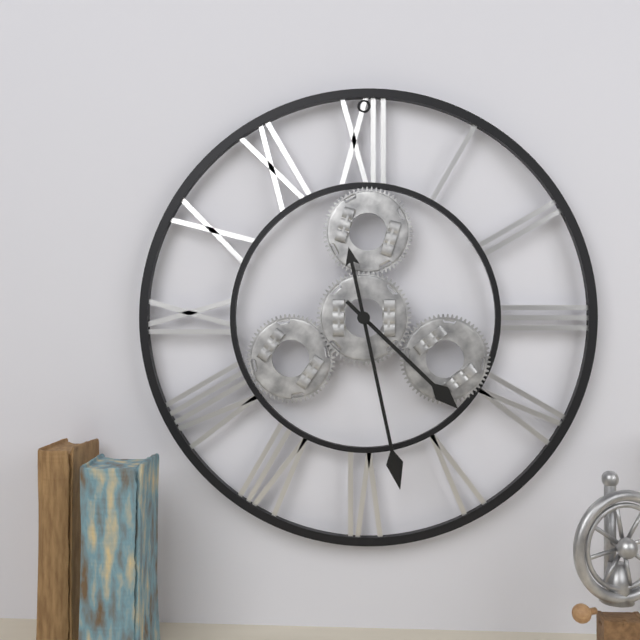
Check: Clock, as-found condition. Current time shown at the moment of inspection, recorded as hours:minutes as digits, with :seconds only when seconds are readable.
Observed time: 4:28
